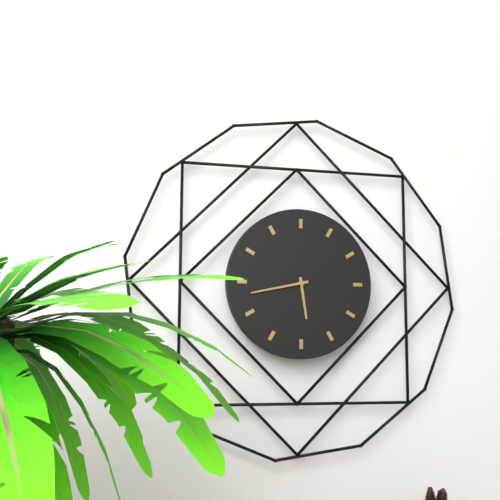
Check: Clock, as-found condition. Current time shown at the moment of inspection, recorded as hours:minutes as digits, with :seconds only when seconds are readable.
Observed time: 5:43
